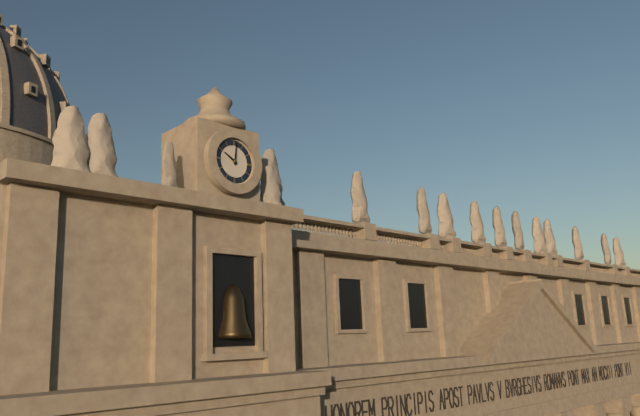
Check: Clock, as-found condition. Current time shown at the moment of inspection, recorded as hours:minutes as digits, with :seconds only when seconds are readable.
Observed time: 10:01
